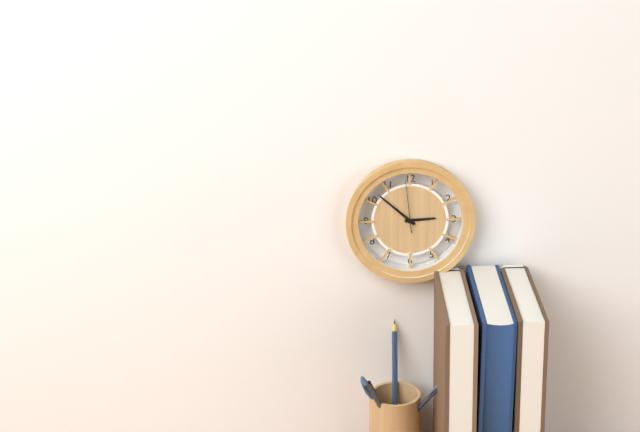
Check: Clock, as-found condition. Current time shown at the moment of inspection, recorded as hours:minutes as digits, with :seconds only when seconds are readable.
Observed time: 2:52:59
